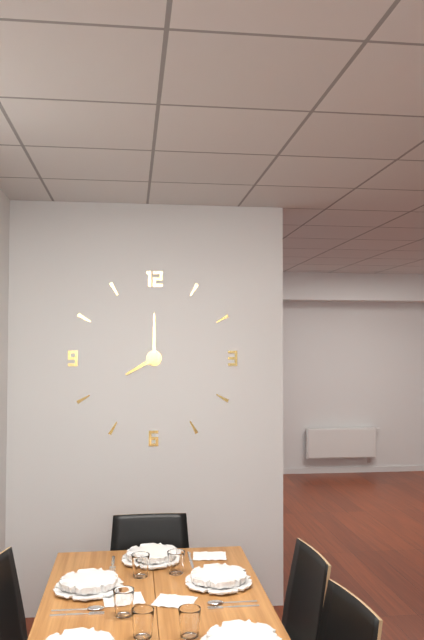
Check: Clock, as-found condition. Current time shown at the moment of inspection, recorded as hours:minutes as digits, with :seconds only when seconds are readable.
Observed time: 8:00
